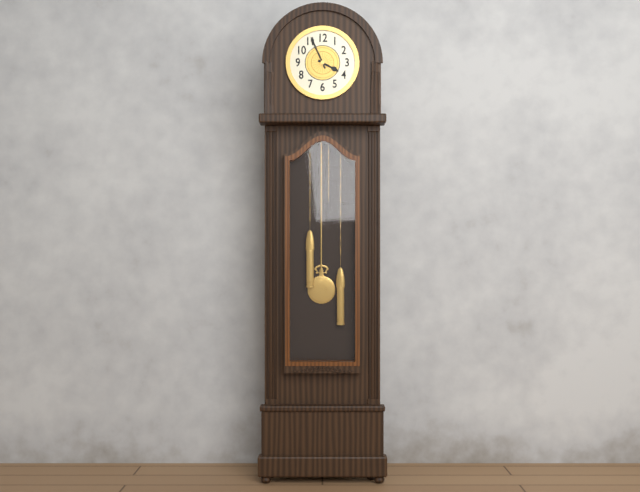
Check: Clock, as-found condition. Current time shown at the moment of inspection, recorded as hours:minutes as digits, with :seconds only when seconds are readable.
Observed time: 3:56
